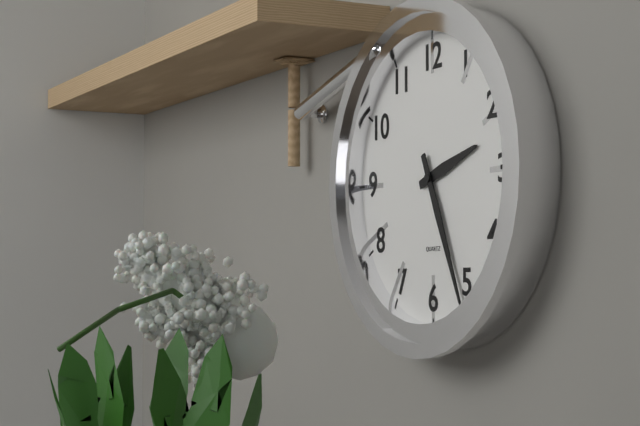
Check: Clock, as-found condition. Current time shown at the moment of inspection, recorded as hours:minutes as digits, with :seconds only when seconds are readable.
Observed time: 2:26
